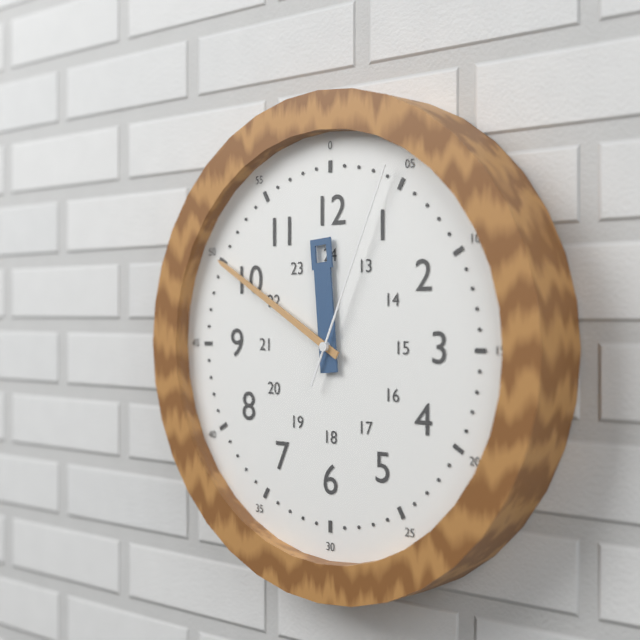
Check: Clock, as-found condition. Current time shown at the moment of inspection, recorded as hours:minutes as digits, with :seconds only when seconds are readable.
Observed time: 11:50:04
